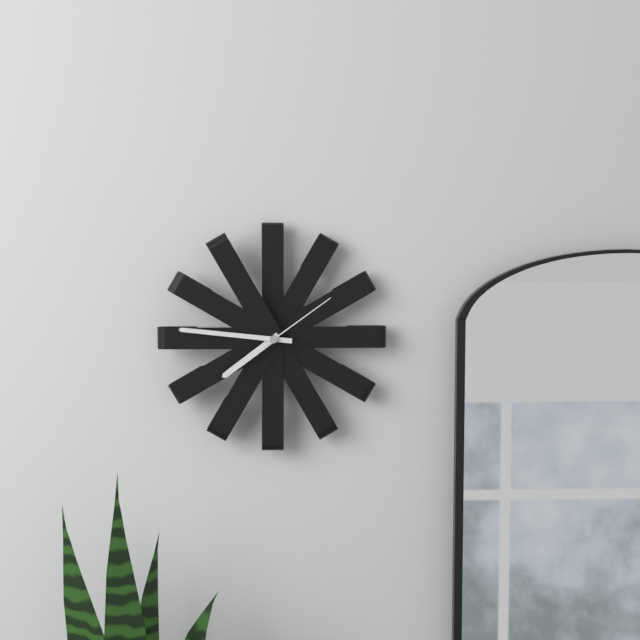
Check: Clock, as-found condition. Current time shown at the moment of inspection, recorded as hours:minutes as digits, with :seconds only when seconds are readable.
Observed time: 7:46:09
